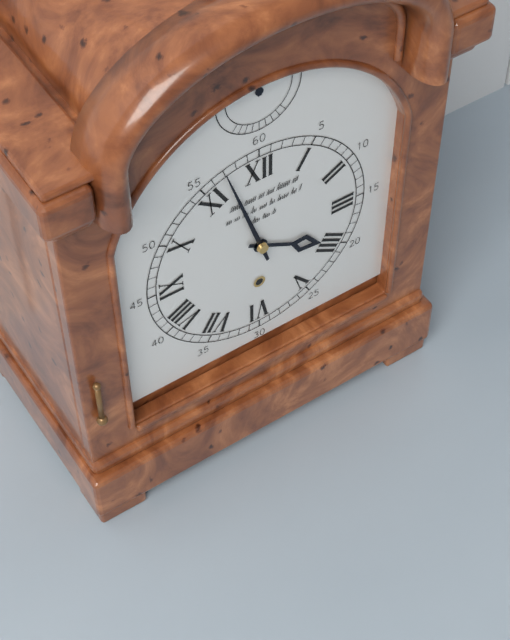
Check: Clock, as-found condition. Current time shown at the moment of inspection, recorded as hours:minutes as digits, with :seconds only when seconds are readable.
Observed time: 3:57
